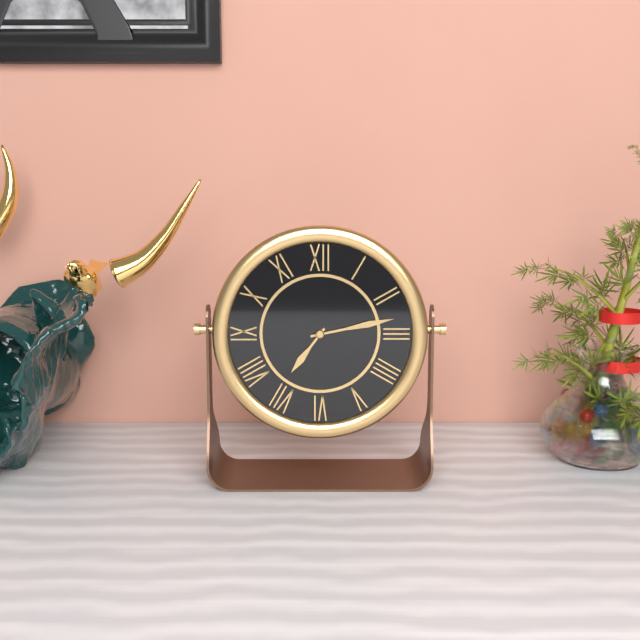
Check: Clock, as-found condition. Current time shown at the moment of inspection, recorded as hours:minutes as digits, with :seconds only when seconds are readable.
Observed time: 7:13
